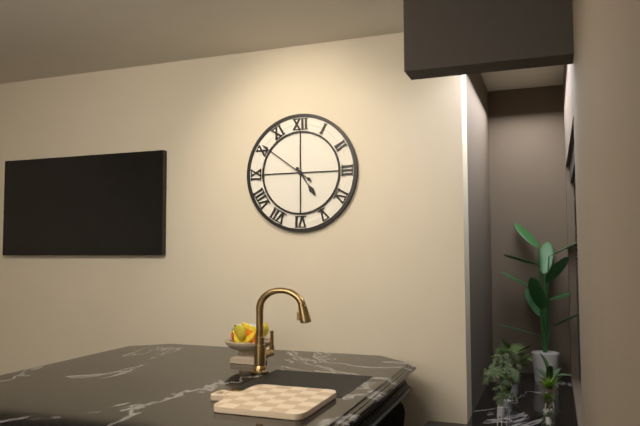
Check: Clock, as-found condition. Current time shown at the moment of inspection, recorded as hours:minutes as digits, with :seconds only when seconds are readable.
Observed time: 4:51
